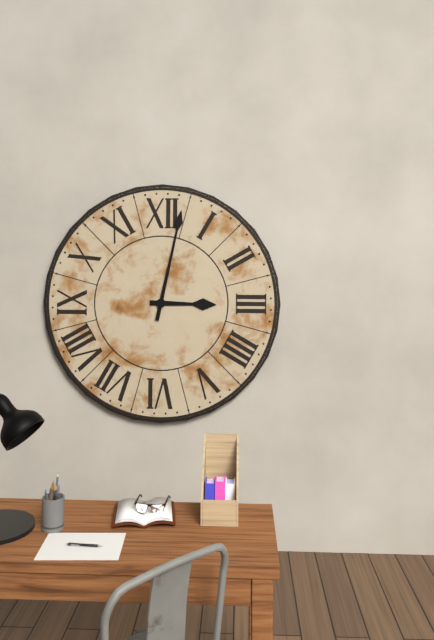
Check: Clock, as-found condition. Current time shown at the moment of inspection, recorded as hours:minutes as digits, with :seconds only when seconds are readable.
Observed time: 3:02
